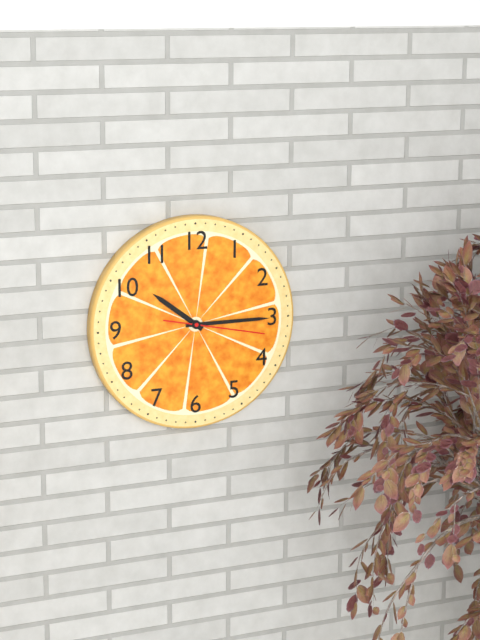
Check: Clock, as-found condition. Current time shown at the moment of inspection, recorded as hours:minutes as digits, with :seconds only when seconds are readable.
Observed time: 10:15:17
